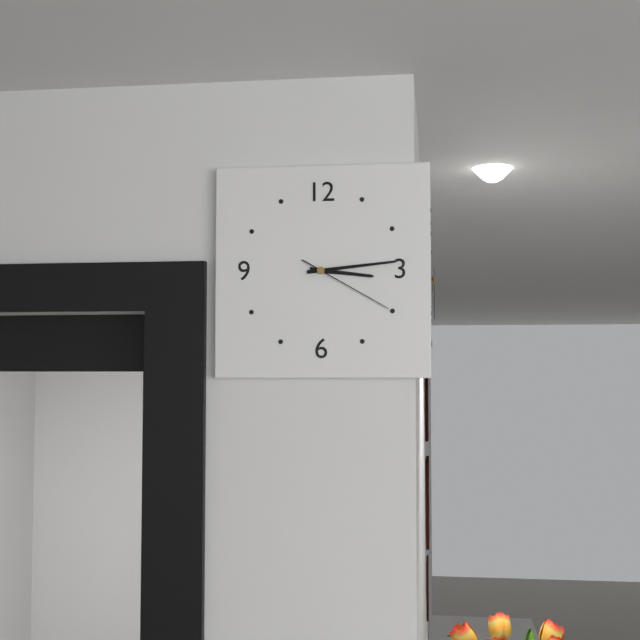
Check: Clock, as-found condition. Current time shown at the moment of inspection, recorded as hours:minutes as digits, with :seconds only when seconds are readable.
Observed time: 3:14:20
